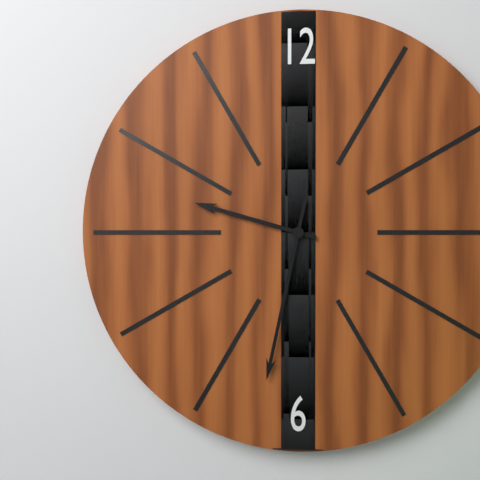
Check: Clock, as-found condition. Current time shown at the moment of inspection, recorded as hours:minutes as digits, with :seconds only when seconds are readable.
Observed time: 9:32
